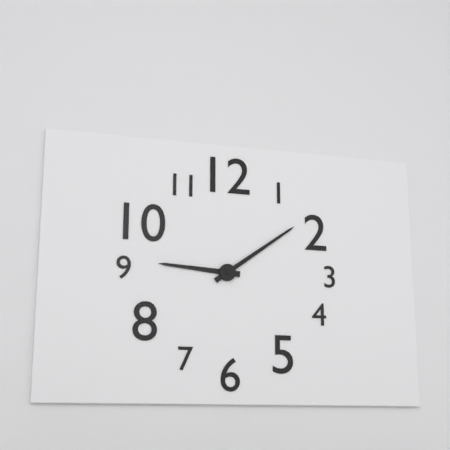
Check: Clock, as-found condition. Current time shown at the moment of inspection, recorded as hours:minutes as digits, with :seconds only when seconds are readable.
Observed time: 9:09
